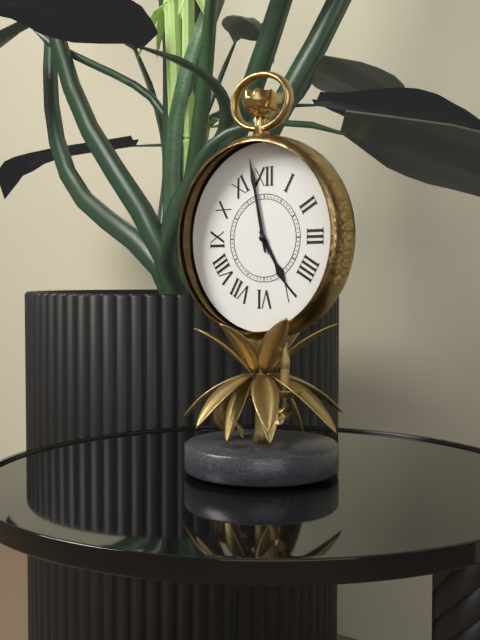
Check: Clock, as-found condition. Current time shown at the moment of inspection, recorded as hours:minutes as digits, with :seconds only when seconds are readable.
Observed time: 4:58
